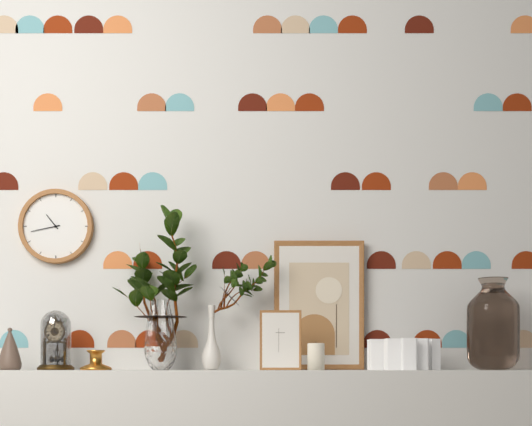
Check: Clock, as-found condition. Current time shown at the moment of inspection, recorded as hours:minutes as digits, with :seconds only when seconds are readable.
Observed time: 10:43
